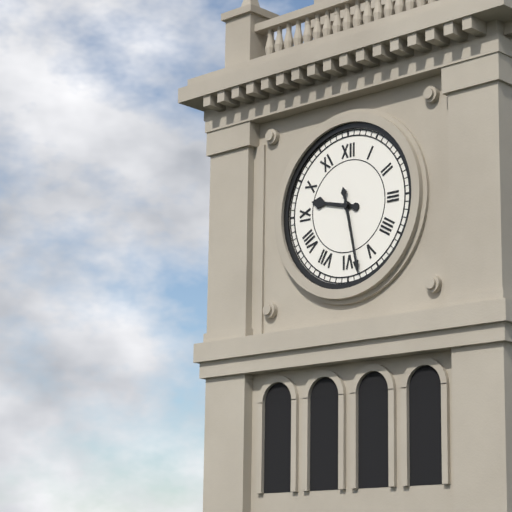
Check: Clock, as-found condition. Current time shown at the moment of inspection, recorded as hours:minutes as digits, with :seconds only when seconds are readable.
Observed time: 9:28
